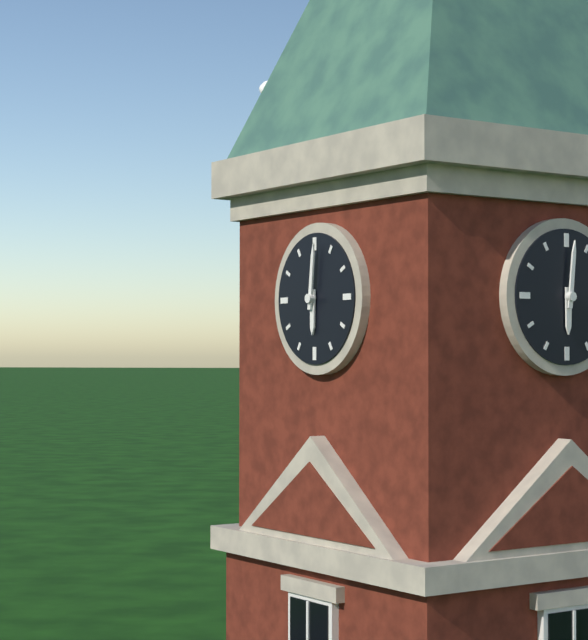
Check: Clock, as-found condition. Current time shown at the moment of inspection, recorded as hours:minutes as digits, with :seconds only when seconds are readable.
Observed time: 6:01
